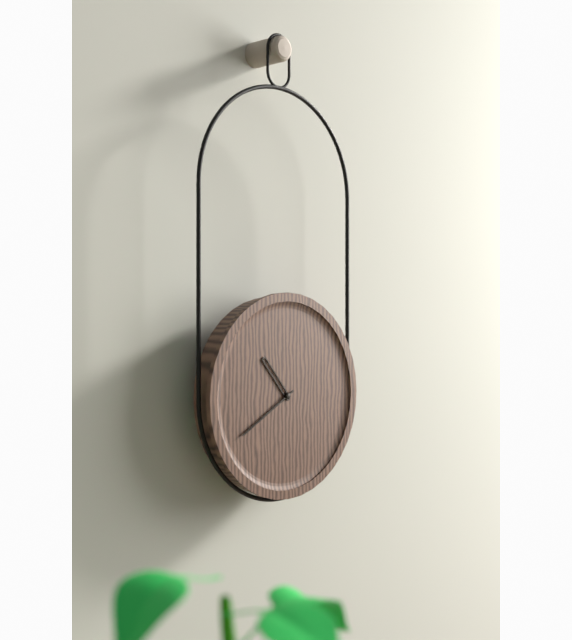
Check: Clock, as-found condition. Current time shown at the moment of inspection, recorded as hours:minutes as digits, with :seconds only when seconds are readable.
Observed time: 10:40
